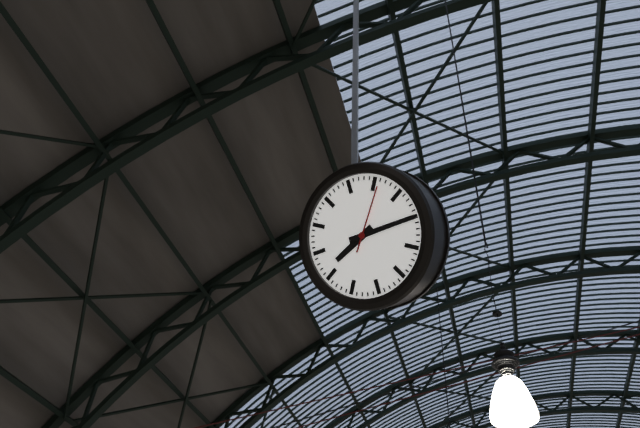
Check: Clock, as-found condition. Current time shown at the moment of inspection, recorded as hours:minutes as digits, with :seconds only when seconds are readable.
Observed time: 8:15:06
